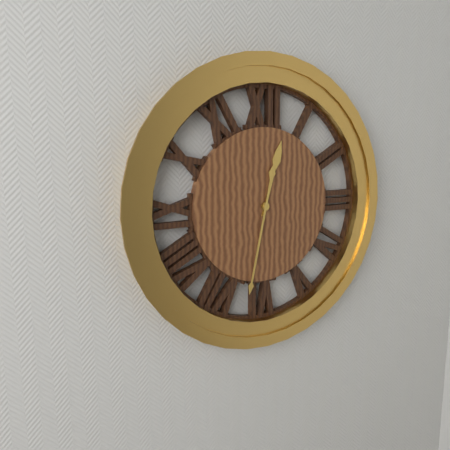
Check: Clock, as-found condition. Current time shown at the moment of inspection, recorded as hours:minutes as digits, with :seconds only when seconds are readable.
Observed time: 12:32
